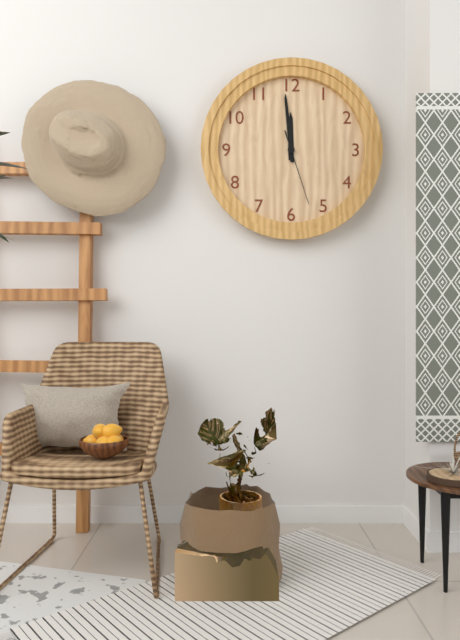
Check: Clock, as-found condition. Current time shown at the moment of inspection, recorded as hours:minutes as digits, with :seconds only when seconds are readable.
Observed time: 11:59:27
